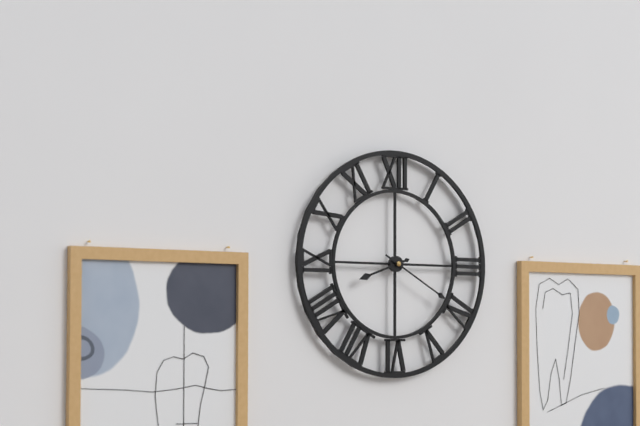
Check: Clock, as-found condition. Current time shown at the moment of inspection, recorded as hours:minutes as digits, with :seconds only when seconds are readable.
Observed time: 8:20
